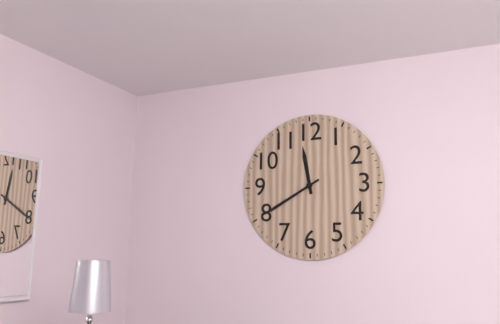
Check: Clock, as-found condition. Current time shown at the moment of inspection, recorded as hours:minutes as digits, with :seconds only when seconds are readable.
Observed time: 11:40
